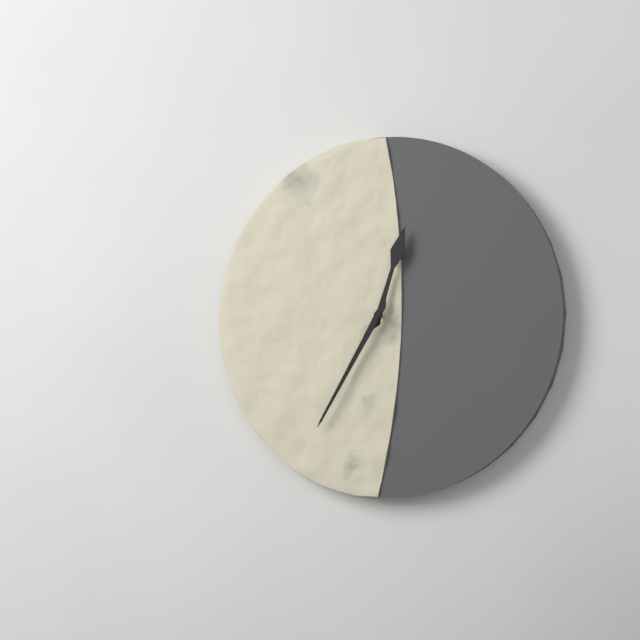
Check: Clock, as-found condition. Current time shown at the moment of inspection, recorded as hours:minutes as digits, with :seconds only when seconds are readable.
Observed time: 12:35
